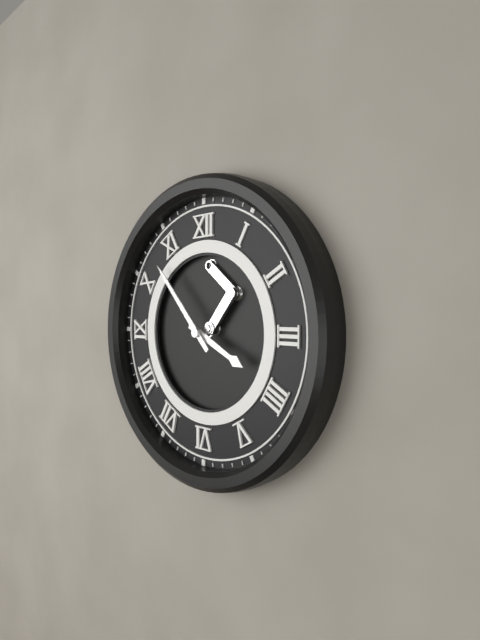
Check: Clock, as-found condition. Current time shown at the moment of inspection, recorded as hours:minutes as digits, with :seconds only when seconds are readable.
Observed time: 3:53
